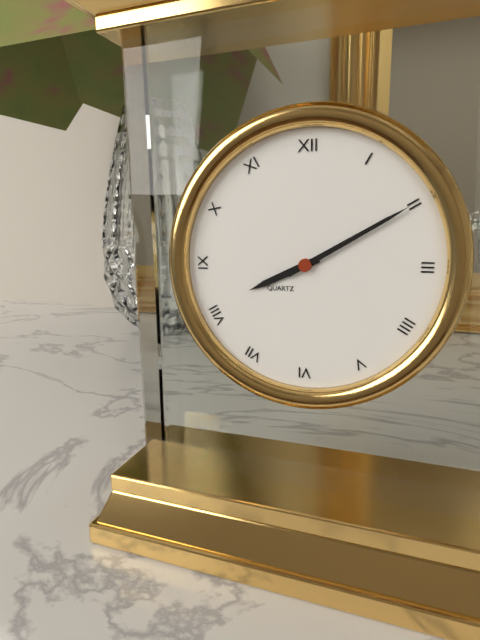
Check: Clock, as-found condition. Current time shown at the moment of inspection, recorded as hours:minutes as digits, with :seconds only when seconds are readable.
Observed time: 8:10
